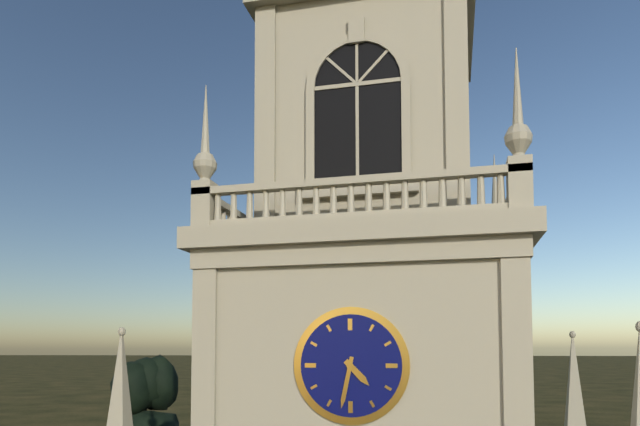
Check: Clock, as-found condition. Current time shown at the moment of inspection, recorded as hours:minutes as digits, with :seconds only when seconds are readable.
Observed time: 4:32
